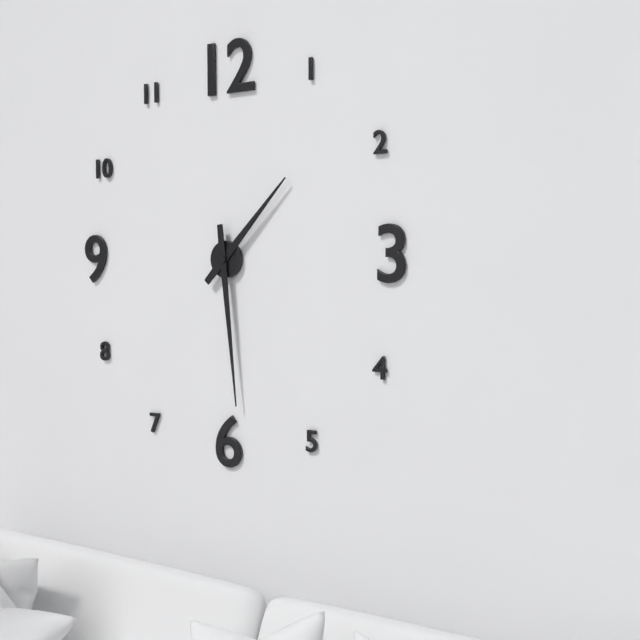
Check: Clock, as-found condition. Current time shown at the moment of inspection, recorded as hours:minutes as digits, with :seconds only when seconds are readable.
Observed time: 1:29
